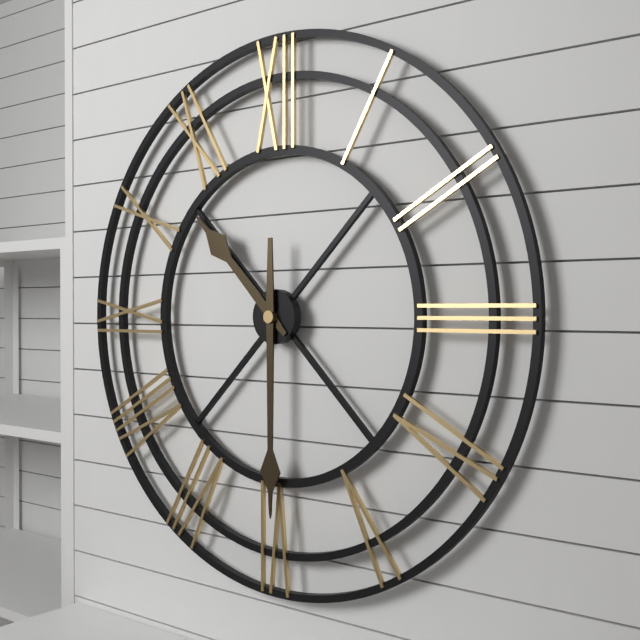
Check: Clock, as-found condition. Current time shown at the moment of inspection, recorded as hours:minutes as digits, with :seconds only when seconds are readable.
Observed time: 10:30
